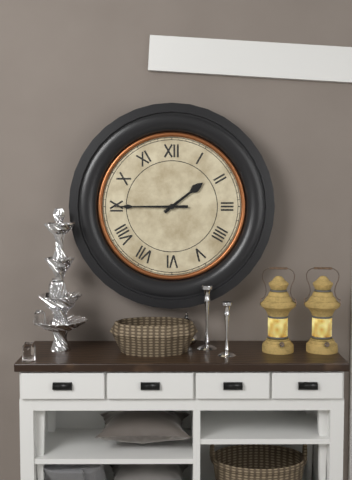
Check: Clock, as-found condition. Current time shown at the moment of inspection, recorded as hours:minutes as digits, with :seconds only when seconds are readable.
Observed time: 1:45
